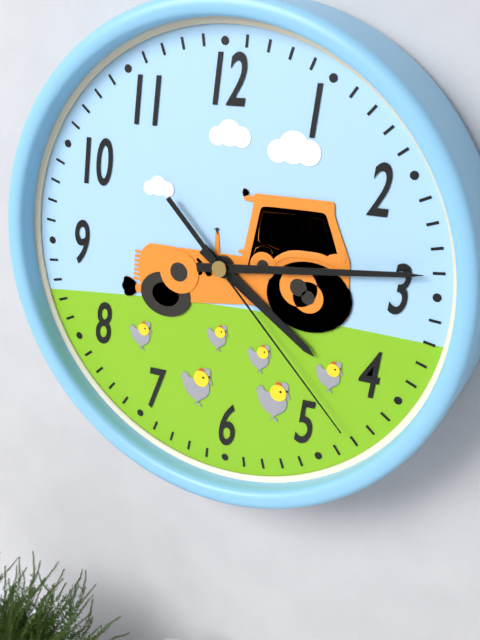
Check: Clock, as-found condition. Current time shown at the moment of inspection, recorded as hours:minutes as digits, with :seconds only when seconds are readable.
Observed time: 4:14:23
